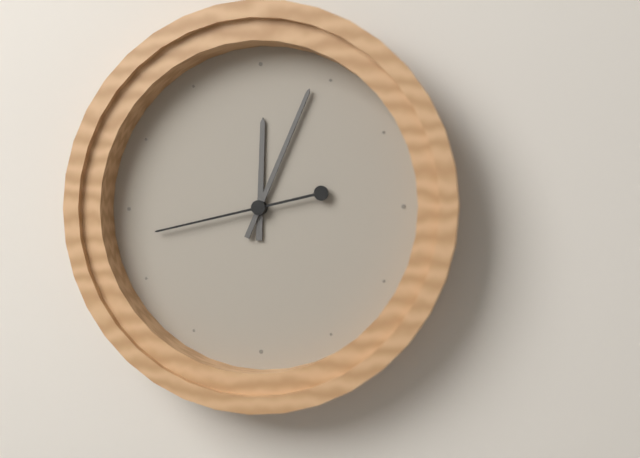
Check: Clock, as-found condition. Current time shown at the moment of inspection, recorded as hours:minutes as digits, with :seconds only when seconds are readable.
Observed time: 12:04:43
